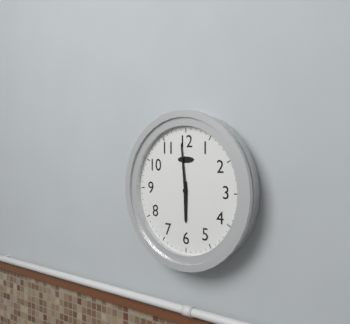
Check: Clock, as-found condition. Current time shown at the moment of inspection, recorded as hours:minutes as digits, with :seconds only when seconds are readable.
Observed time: 5:59
